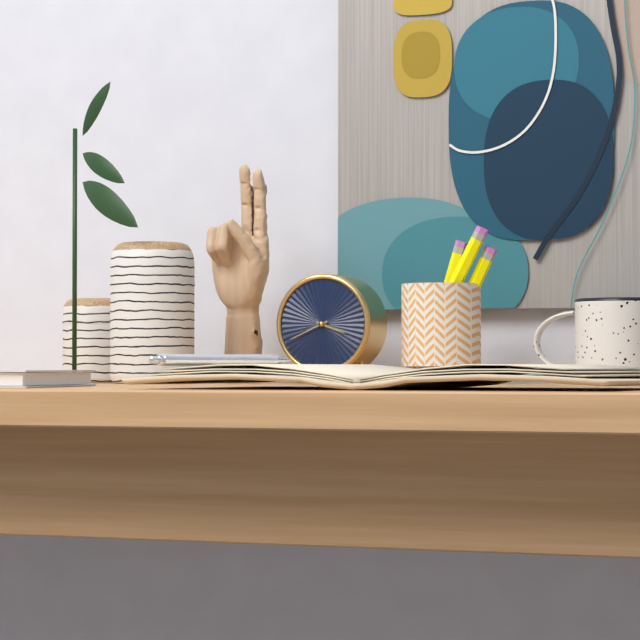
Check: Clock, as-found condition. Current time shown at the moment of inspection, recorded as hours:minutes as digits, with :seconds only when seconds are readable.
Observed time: 3:41
